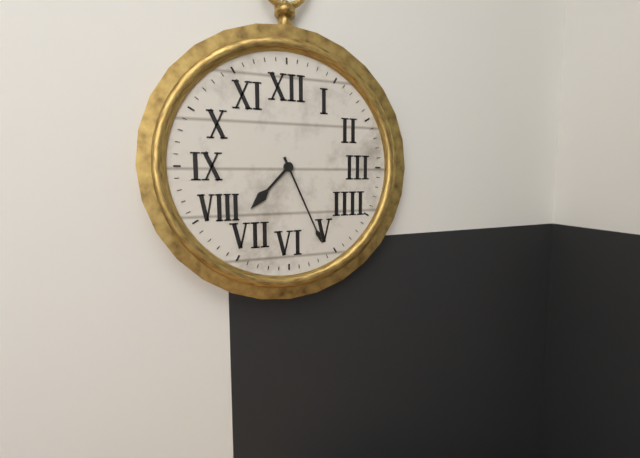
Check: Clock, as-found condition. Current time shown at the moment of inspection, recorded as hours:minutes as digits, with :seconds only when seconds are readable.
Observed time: 7:26
